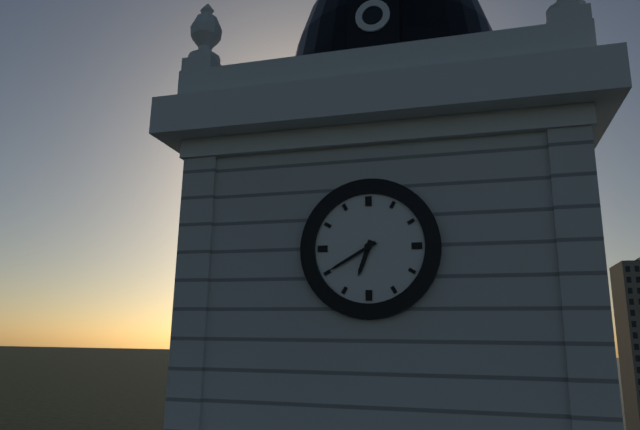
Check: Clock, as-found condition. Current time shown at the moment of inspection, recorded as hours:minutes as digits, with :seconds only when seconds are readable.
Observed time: 6:40
